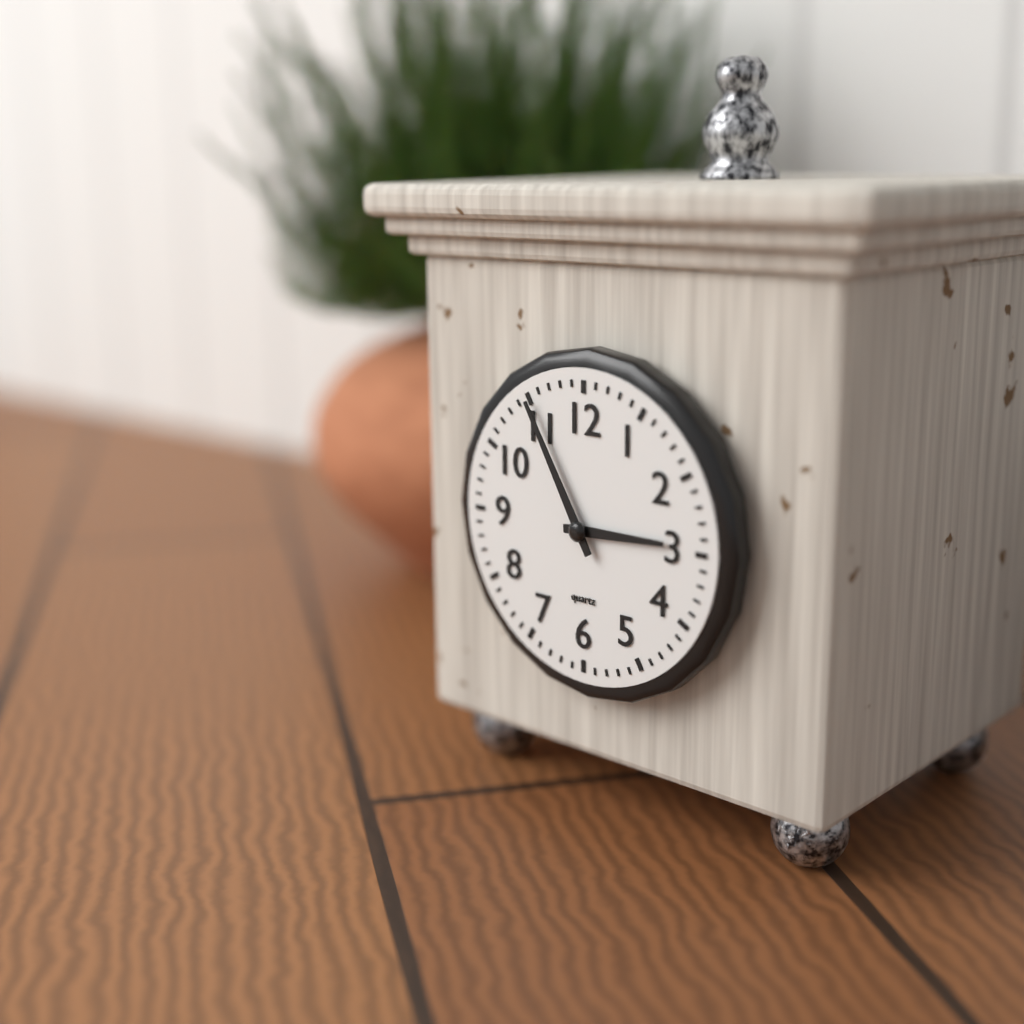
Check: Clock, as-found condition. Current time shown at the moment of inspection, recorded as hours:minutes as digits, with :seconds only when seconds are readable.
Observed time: 2:55
